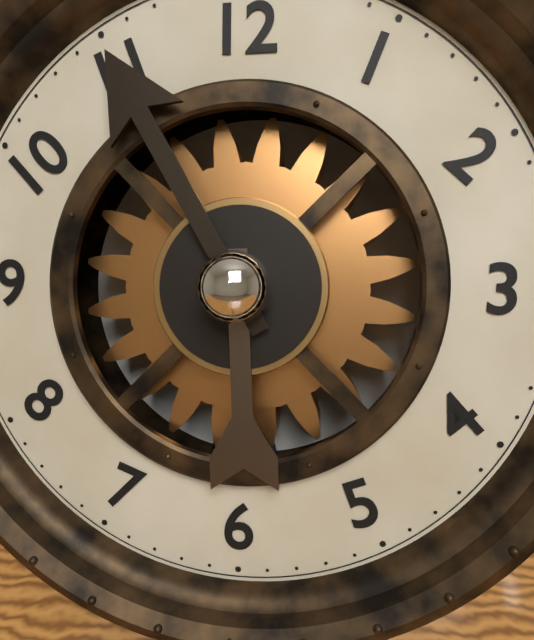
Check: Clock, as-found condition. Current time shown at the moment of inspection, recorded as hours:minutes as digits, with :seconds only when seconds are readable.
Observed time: 5:55
